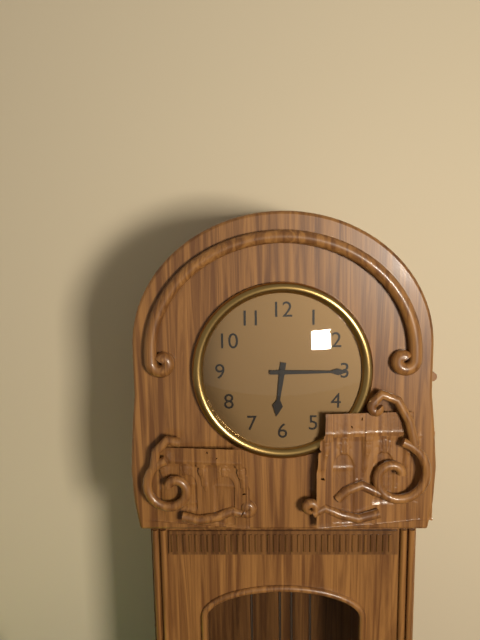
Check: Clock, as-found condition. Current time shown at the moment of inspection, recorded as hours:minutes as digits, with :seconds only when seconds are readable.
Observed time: 6:15
